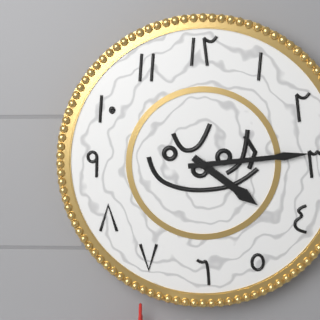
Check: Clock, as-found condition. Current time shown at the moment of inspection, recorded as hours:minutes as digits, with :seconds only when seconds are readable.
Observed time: 4:14
